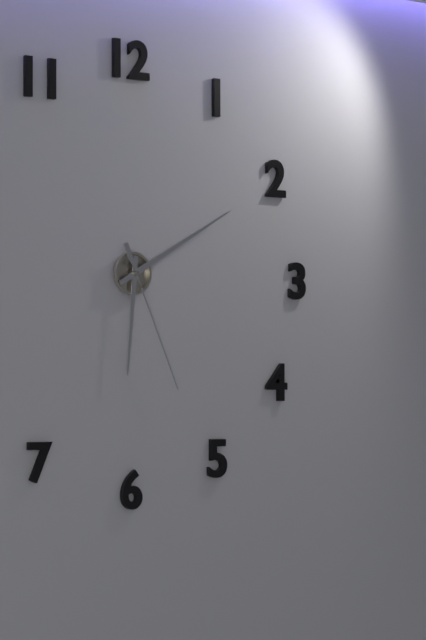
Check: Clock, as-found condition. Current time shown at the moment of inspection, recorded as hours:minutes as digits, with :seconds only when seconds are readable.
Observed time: 6:10:26
